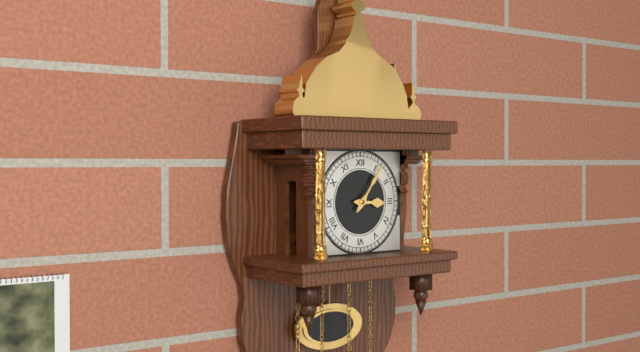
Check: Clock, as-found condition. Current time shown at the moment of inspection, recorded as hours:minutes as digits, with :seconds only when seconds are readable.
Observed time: 3:06
